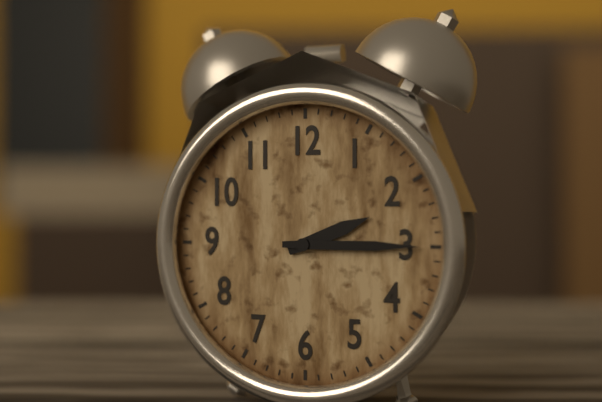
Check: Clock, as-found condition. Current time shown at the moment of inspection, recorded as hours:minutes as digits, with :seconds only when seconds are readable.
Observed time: 2:15
